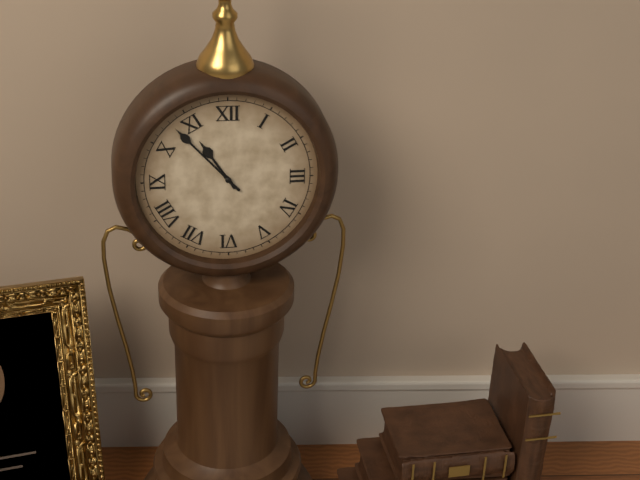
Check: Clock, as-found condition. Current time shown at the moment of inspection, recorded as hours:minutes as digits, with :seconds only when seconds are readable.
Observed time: 10:53
